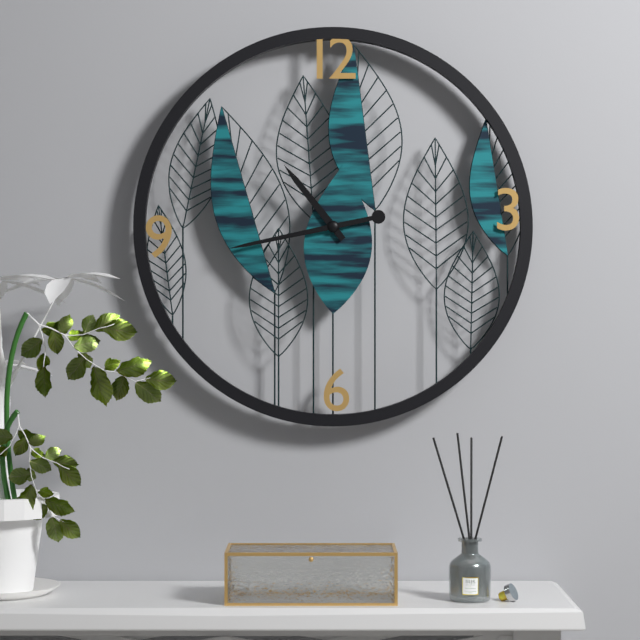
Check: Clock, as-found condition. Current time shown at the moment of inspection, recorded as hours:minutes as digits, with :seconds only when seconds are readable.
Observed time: 10:43
